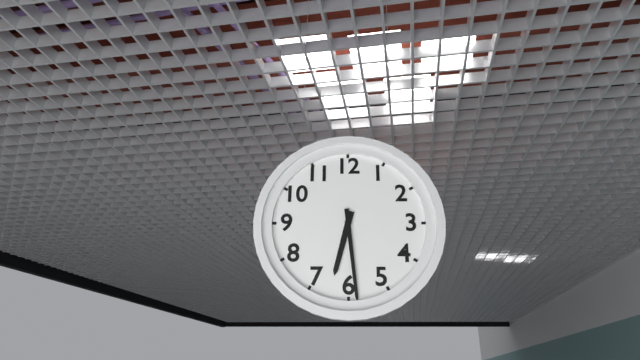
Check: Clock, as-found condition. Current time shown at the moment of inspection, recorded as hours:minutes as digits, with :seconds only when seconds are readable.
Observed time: 6:29
